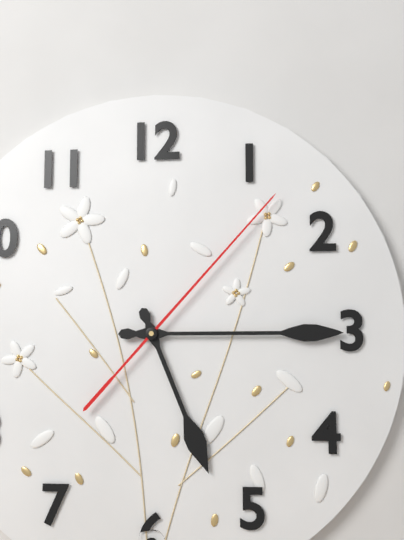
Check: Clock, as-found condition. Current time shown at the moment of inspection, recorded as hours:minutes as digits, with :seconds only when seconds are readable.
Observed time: 5:15:07
